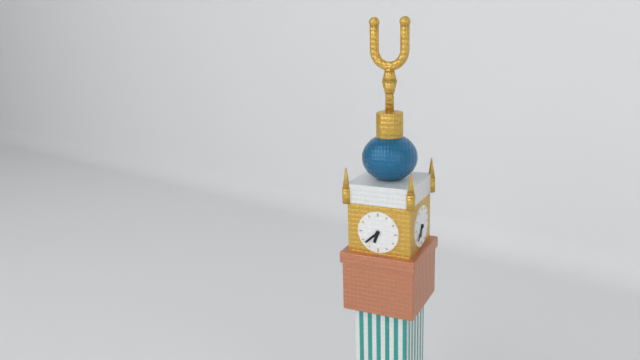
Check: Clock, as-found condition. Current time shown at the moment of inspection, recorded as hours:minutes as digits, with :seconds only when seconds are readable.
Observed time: 6:38
